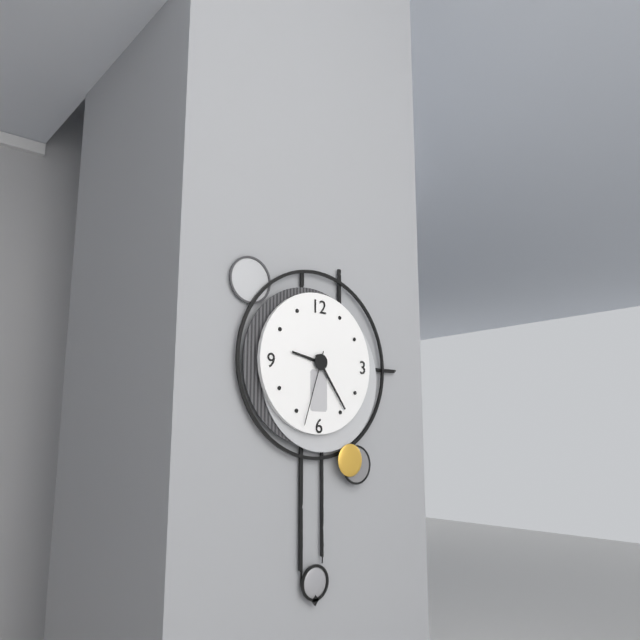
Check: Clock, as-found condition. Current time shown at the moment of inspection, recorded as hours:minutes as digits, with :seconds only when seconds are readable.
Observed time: 9:24:33
